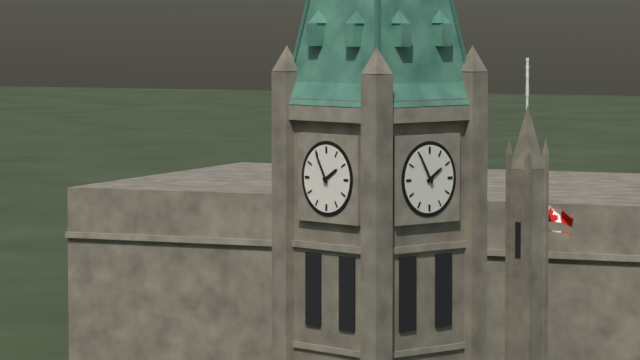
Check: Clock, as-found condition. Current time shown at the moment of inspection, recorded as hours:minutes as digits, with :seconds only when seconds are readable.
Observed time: 1:55
